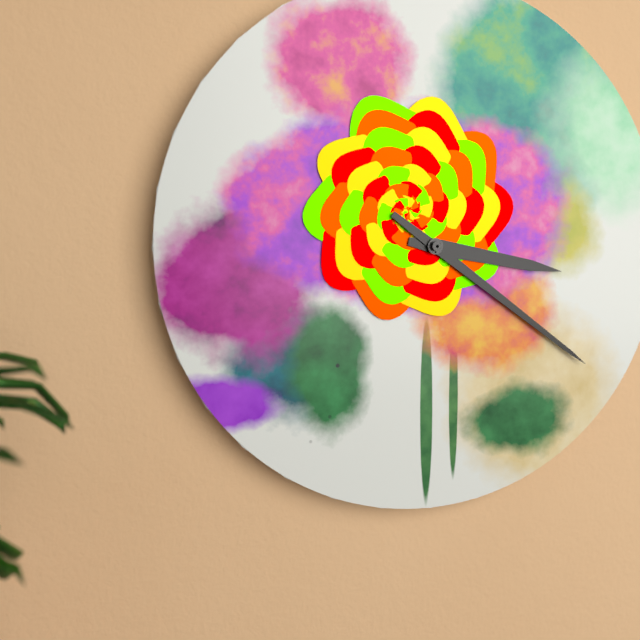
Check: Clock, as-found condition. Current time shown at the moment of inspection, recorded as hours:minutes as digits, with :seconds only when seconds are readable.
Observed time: 3:21
